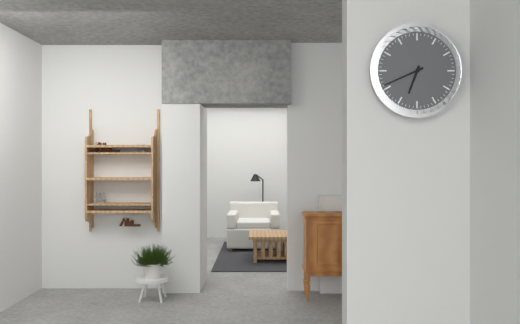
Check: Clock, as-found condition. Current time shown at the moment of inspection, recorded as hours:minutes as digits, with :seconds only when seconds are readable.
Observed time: 6:41
